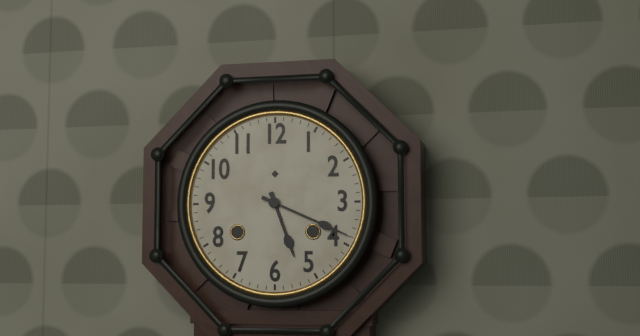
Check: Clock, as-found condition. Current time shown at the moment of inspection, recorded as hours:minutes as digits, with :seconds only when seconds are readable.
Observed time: 5:19
